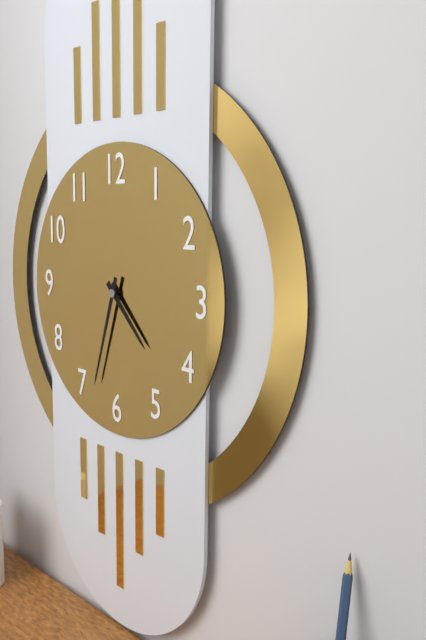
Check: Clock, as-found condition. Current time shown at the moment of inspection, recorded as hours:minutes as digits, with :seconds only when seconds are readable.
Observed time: 4:33
